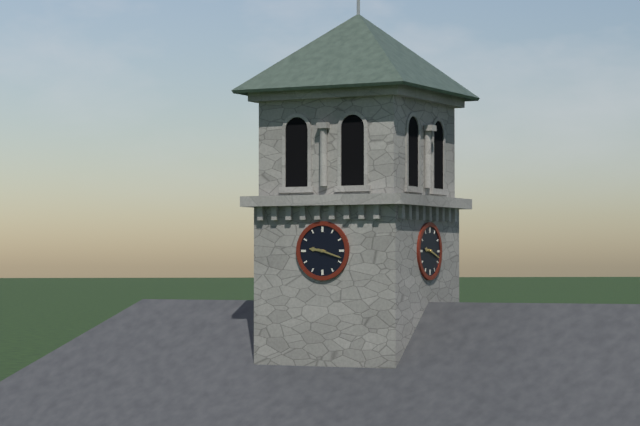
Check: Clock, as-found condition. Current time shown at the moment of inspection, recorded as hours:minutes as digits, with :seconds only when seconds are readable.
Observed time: 9:18
